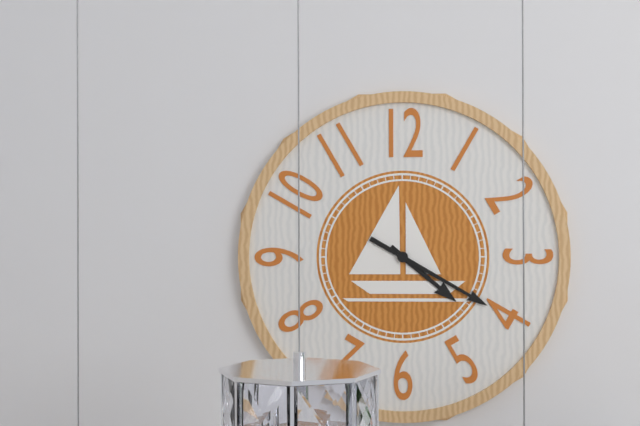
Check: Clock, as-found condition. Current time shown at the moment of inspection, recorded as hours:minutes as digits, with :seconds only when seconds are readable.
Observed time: 4:20
